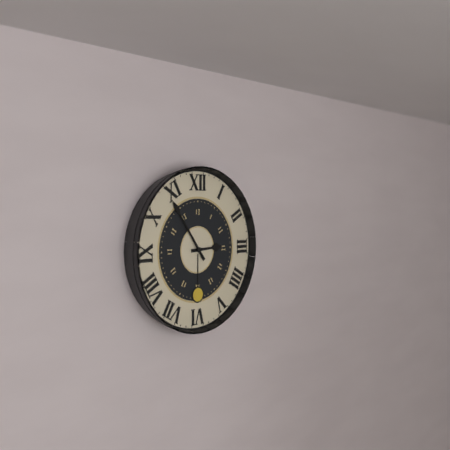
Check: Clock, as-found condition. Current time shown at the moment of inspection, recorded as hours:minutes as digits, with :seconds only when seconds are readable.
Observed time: 2:54
